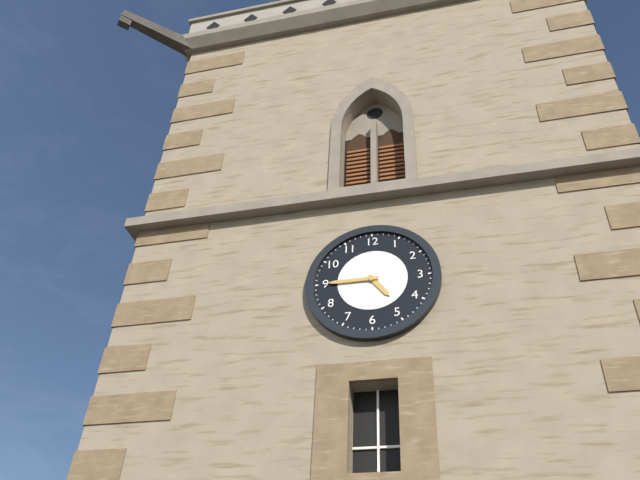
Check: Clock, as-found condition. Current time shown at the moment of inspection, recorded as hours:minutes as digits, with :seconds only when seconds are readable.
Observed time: 4:45
